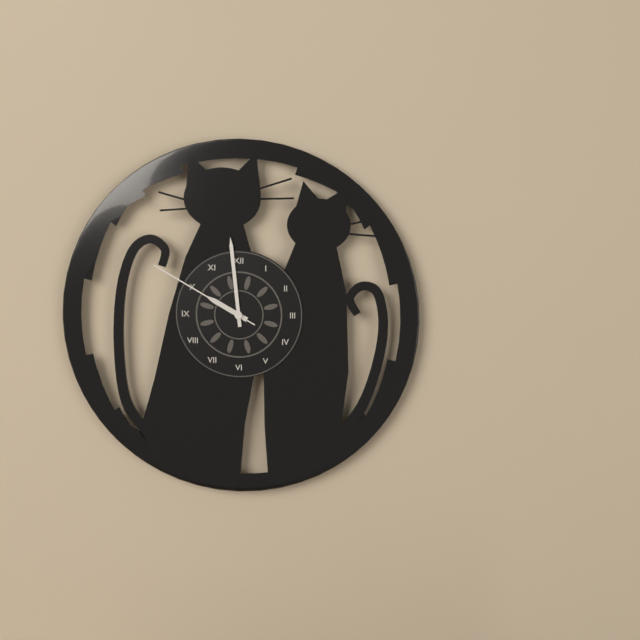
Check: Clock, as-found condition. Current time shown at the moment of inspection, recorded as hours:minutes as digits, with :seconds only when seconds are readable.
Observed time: 9:59:50
